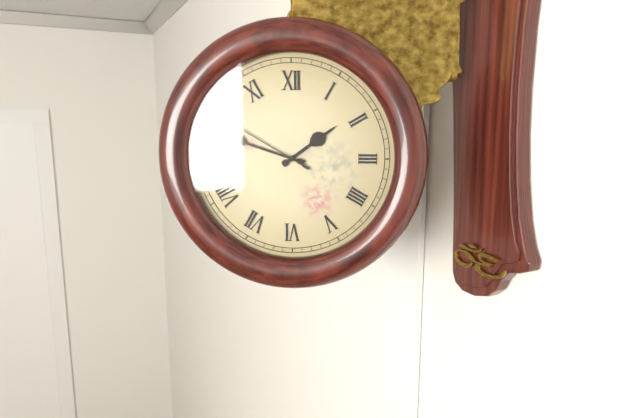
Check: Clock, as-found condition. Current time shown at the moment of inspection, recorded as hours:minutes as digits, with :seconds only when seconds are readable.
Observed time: 1:48:50
